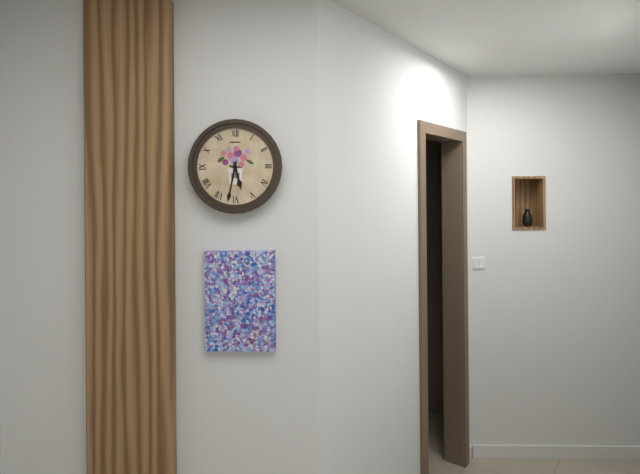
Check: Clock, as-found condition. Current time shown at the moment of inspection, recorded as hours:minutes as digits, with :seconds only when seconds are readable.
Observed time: 5:32
